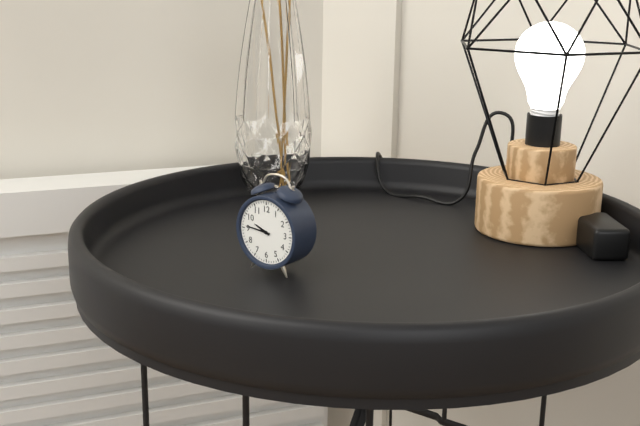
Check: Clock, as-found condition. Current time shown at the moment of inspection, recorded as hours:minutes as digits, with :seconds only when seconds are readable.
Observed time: 9:46
